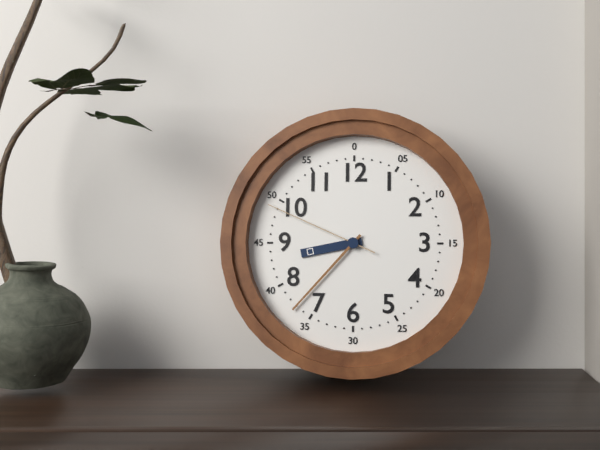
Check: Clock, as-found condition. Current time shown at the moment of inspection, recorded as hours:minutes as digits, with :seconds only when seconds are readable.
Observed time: 8:37:49
